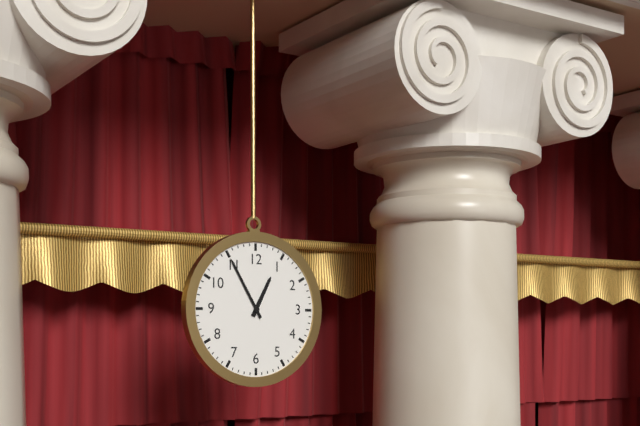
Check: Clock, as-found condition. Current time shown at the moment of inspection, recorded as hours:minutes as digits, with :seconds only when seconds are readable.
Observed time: 12:55
